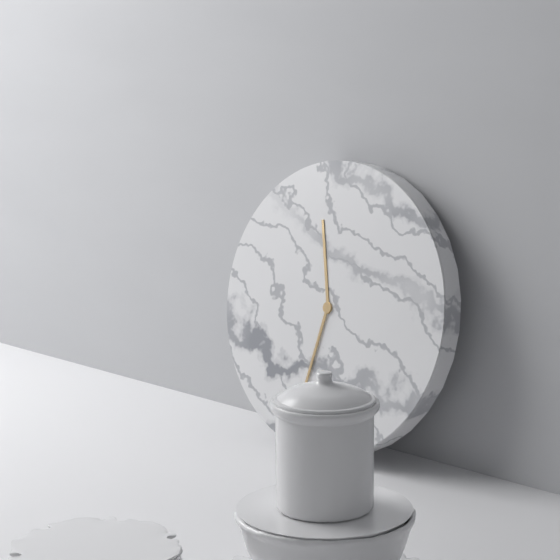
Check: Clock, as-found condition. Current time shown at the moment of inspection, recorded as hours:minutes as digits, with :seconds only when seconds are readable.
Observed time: 11:32
